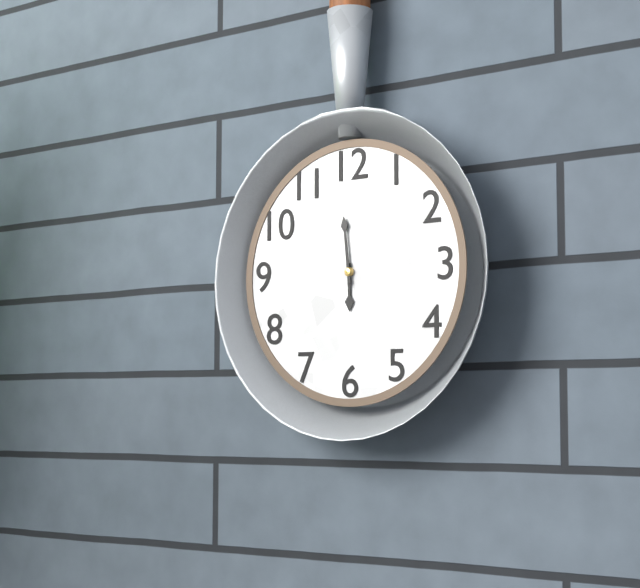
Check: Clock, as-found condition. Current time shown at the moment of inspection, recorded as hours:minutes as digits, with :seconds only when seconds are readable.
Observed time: 5:59
